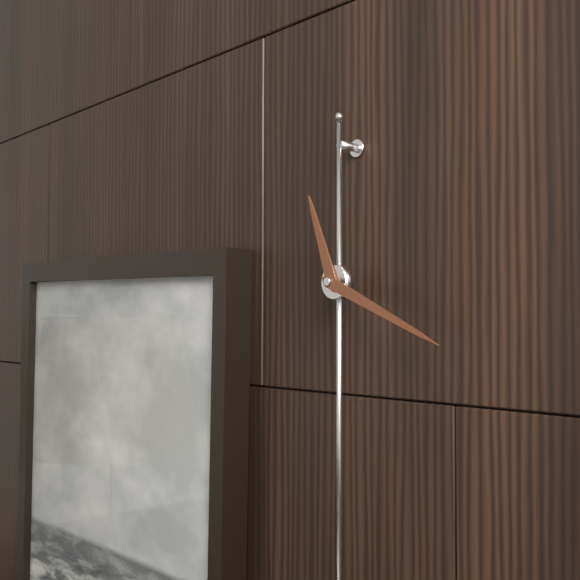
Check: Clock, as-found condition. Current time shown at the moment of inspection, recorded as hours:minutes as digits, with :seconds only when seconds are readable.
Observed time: 11:19
